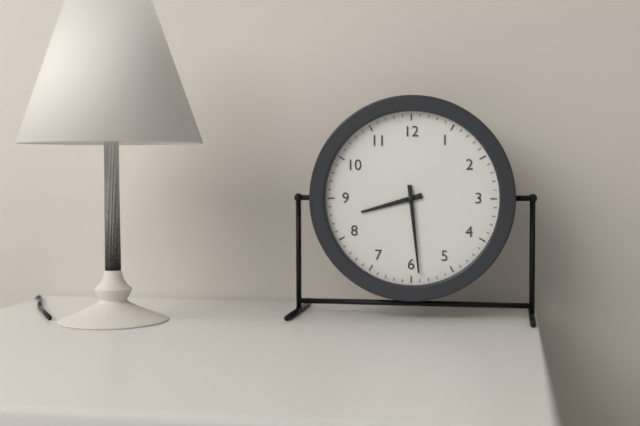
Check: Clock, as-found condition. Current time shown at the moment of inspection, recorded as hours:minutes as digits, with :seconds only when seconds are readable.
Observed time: 8:29
